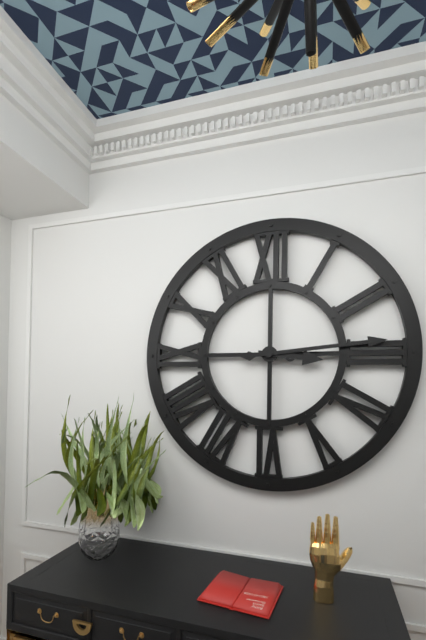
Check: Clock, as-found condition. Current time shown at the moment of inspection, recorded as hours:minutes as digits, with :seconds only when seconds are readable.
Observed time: 3:14
